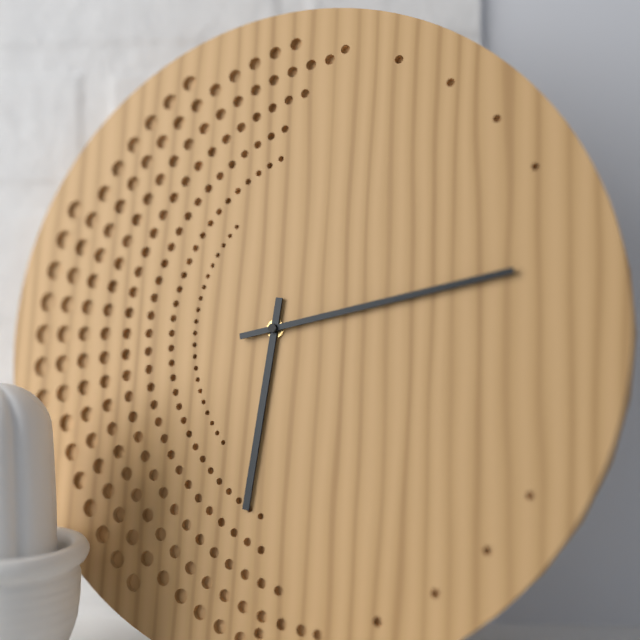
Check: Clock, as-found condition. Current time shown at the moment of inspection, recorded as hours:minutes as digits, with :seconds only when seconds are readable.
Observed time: 6:13
